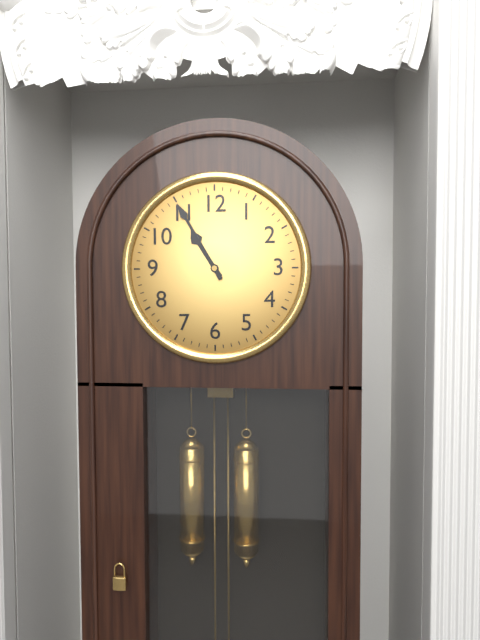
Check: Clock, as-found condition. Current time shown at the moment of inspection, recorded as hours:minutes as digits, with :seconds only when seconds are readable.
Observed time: 10:55
